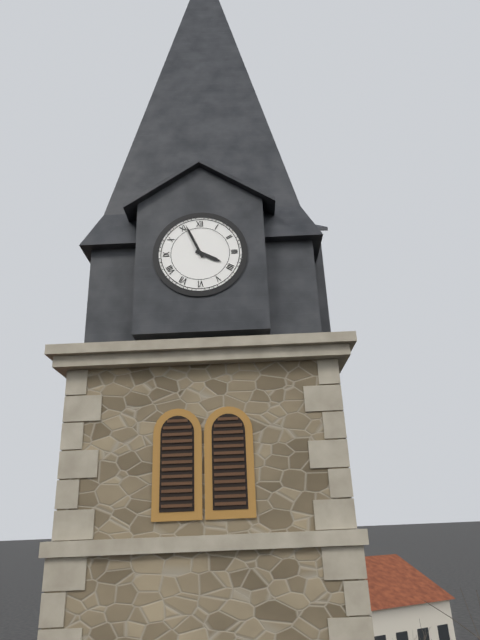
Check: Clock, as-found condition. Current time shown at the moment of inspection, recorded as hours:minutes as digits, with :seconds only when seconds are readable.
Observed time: 3:56
